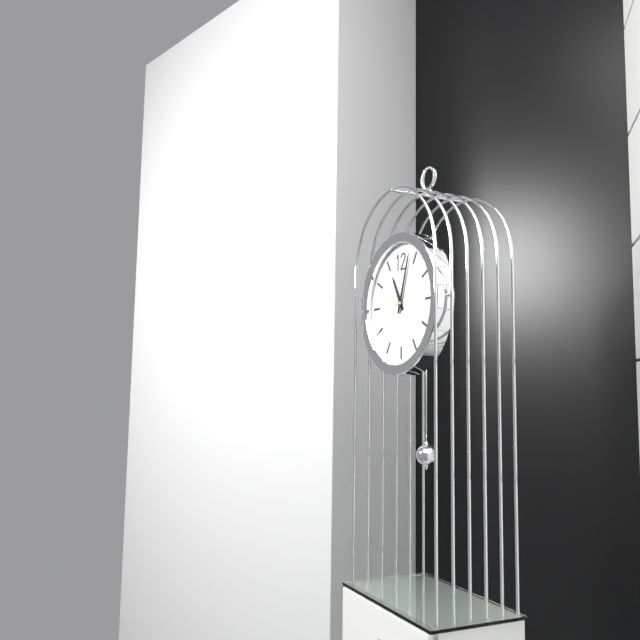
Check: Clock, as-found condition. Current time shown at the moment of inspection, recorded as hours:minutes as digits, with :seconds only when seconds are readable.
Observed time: 11:03
